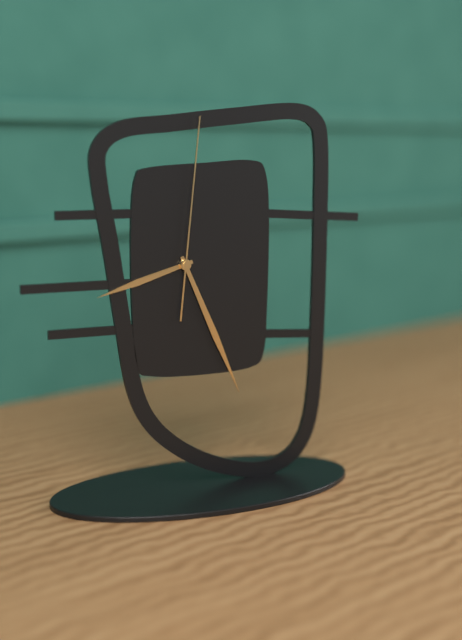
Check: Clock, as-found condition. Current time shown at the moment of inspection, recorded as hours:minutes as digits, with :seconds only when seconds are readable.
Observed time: 8:26:01
